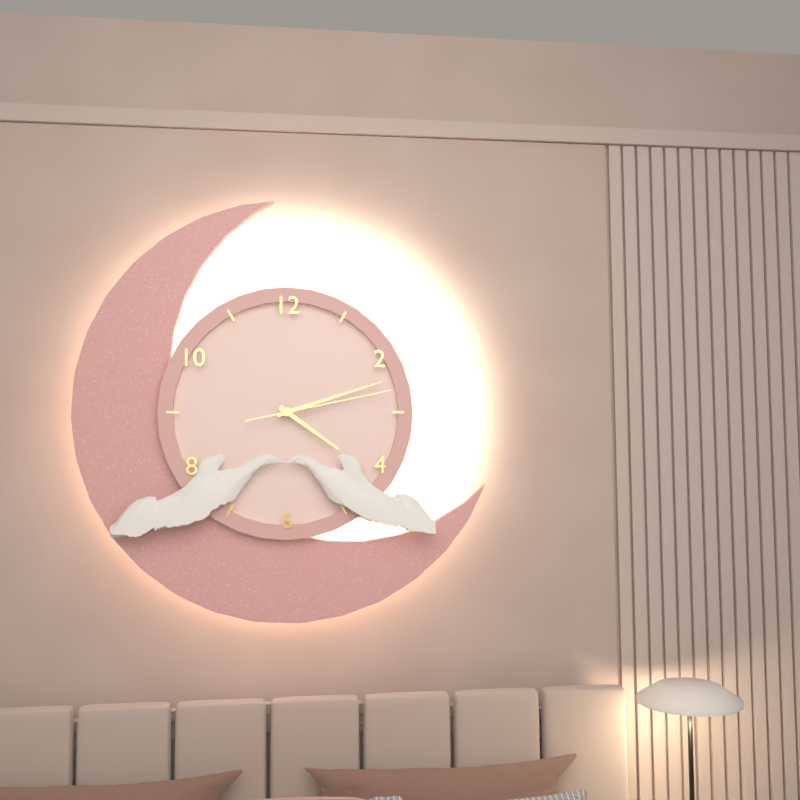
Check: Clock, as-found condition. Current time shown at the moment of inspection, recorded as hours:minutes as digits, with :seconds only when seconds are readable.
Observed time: 4:12:13
